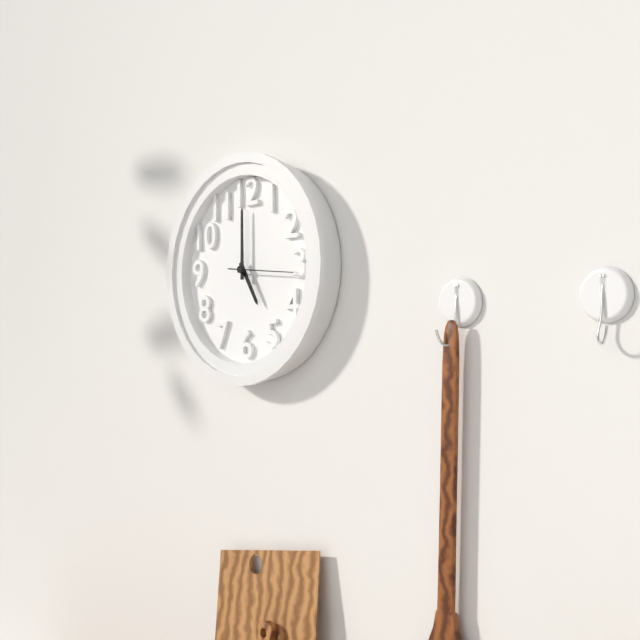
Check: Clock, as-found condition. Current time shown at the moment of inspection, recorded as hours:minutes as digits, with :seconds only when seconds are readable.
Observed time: 5:00:16
